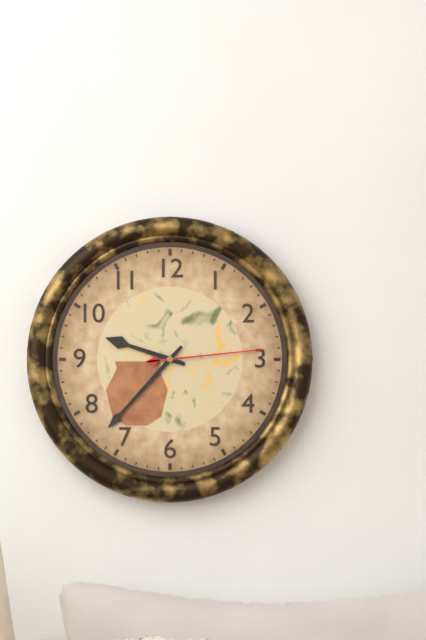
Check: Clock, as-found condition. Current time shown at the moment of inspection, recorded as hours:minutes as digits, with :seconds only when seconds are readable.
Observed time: 9:37:14
